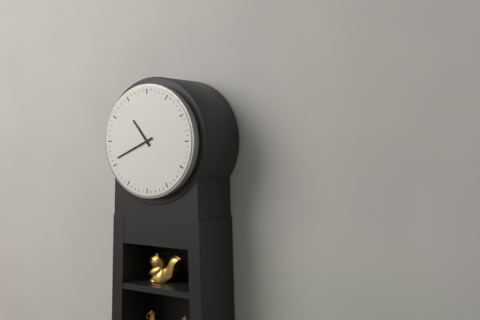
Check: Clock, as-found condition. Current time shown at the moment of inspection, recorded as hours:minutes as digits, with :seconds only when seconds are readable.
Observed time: 10:41
